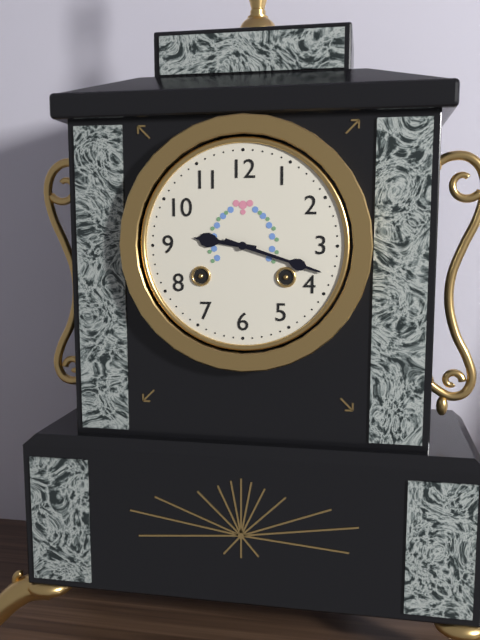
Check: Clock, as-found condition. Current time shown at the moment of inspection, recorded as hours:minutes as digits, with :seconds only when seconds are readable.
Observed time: 9:18
